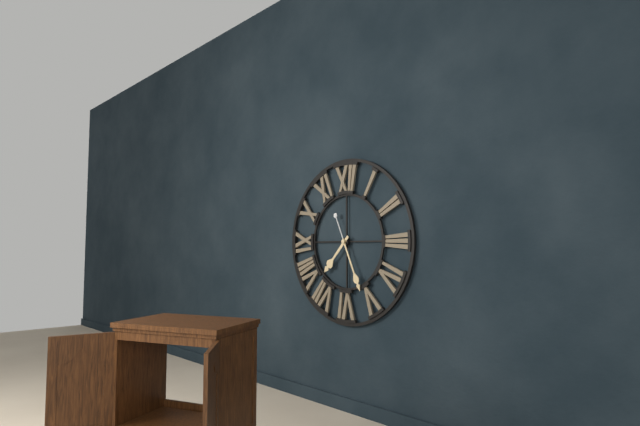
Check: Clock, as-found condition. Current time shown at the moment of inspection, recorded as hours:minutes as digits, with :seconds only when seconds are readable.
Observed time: 7:26
